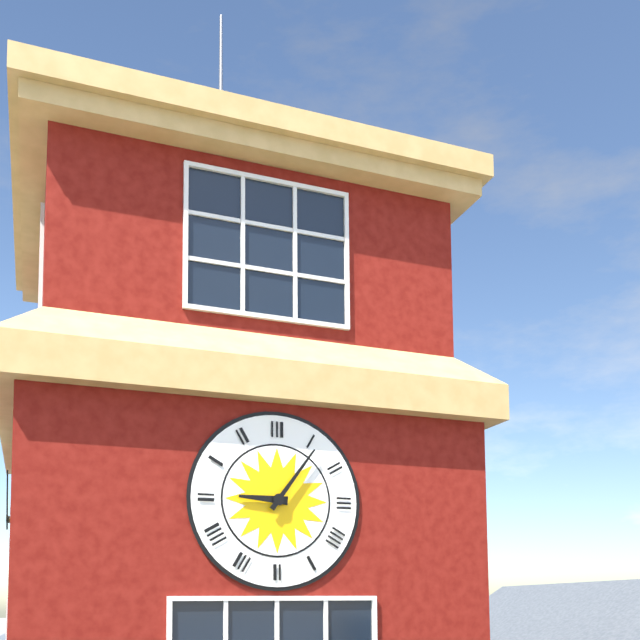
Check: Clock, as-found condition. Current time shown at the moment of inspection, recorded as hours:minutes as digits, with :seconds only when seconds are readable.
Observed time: 9:06
